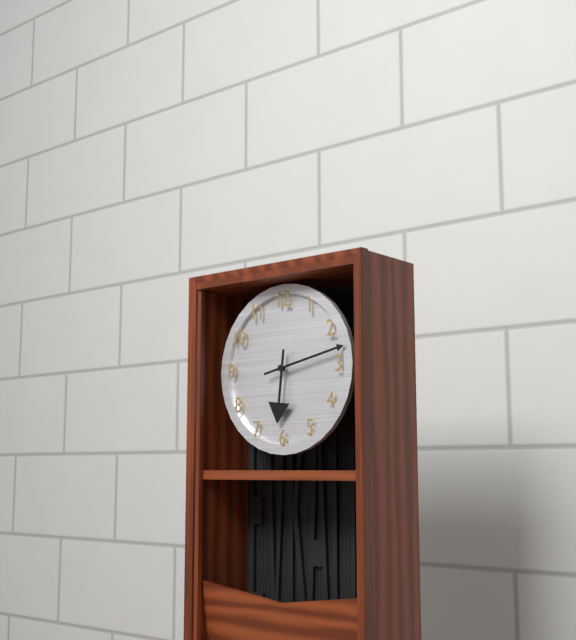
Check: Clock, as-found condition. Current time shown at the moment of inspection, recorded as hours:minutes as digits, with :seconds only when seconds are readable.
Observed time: 6:13
